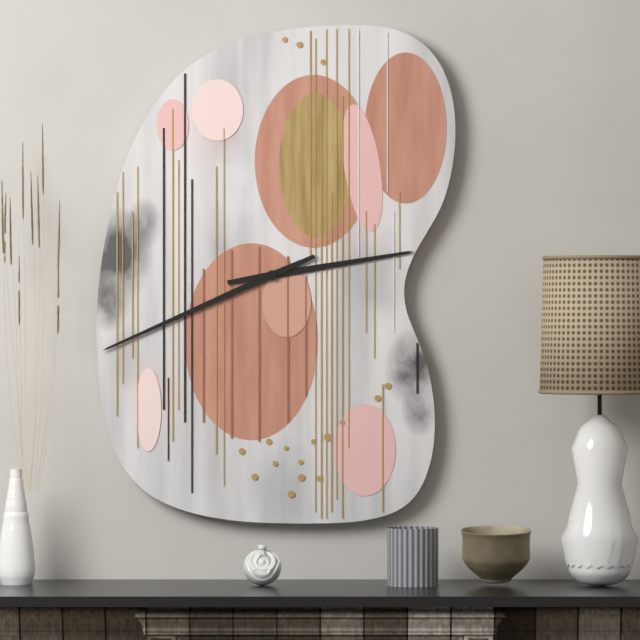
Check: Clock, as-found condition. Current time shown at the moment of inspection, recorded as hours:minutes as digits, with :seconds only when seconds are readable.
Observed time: 2:41
